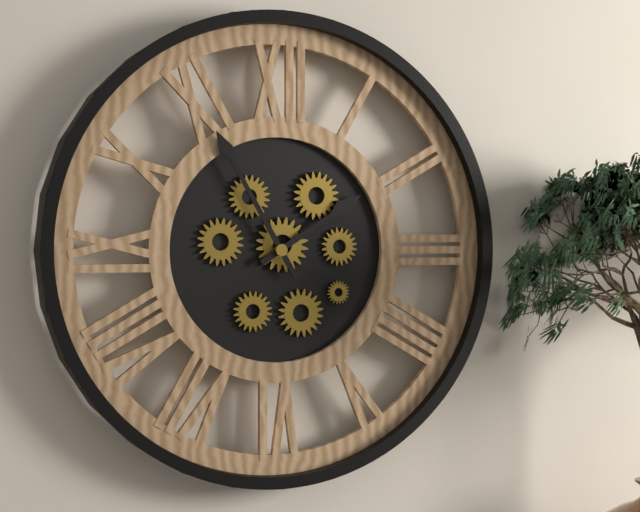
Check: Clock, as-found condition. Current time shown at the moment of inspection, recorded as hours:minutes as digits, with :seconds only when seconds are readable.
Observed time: 1:55
